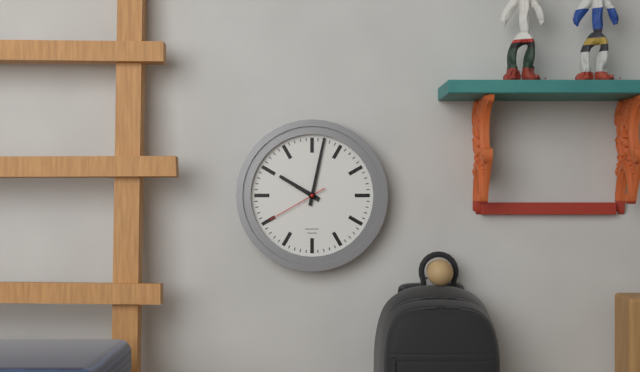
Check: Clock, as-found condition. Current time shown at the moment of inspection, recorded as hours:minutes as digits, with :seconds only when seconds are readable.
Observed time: 10:02:40
